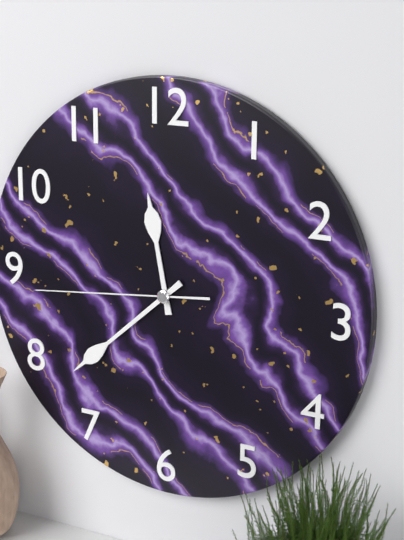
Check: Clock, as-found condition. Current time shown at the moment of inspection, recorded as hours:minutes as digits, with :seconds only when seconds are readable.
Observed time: 11:38:44
